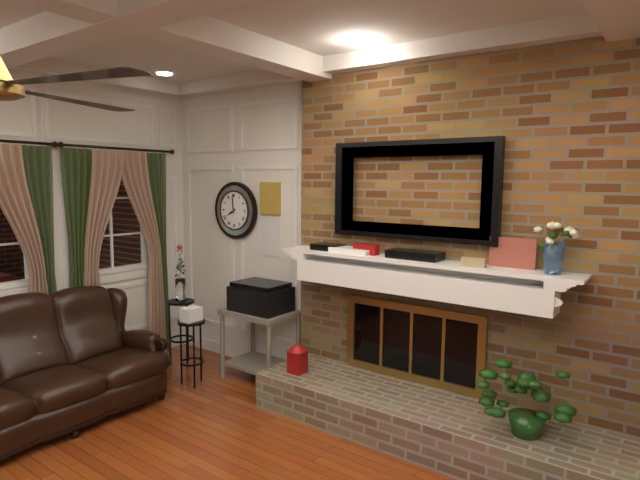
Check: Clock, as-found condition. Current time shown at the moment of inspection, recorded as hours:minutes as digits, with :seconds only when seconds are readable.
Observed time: 7:59
